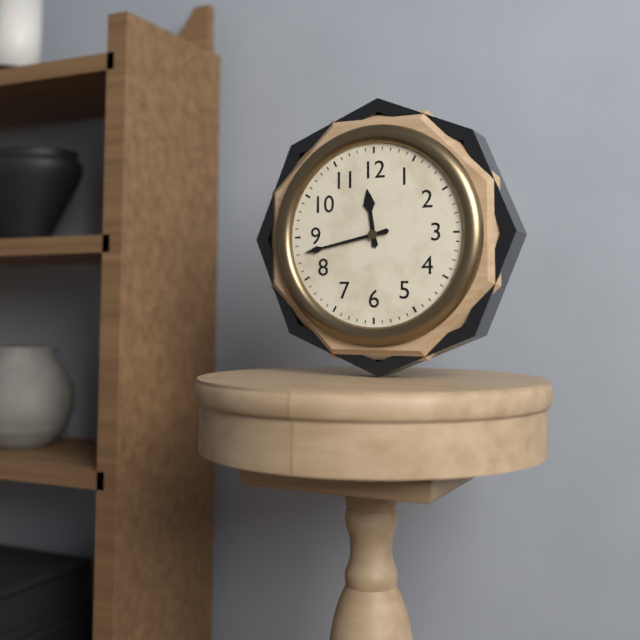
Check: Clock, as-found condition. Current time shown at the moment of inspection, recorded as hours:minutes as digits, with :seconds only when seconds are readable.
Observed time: 11:43
